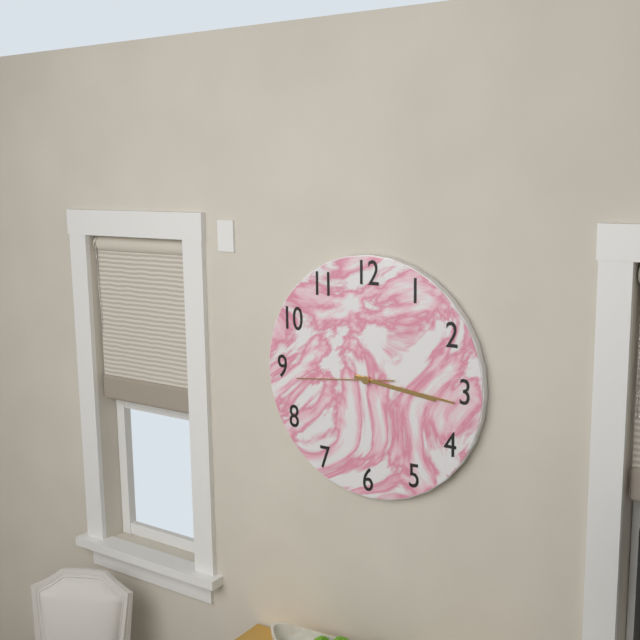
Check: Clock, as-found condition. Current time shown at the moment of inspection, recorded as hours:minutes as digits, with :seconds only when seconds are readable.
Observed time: 3:16:44
